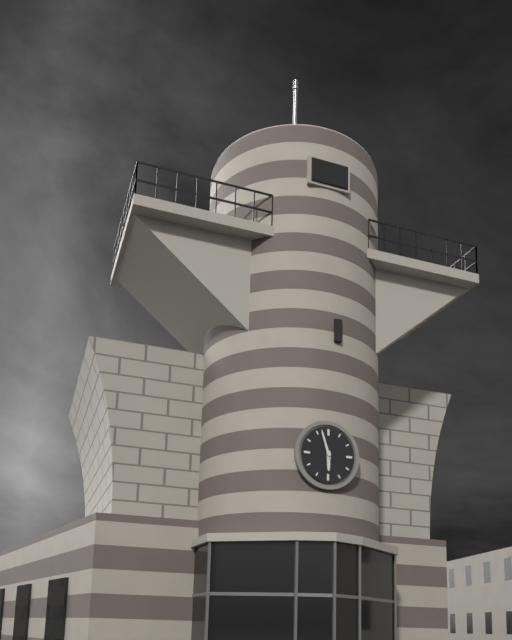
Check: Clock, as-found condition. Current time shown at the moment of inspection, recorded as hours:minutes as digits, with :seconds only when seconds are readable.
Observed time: 5:57
